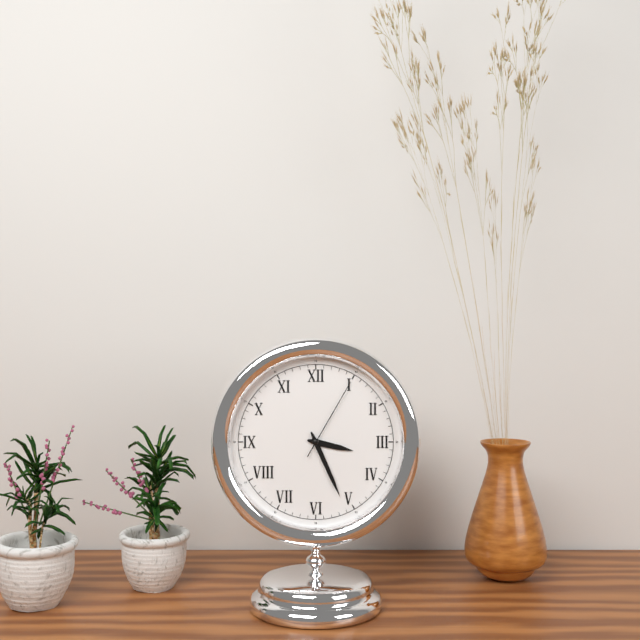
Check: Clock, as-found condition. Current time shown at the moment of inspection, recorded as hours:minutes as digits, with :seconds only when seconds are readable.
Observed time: 3:26:05
